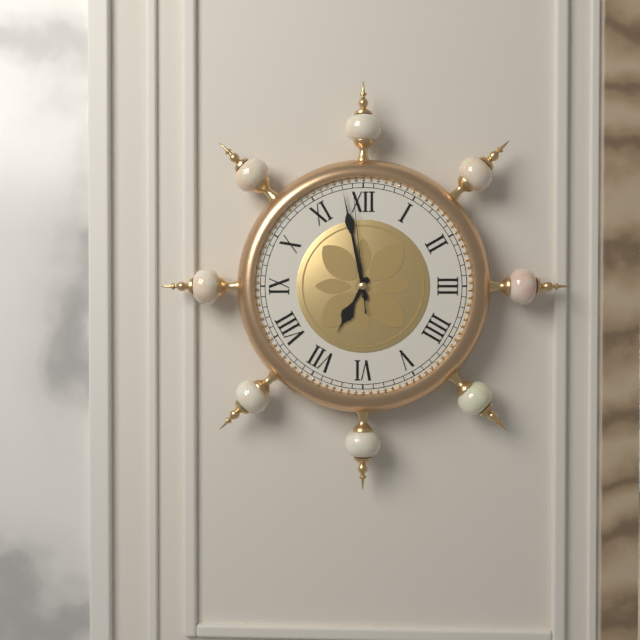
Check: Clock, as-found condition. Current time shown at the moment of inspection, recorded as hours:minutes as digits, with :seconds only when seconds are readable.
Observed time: 6:58:59
